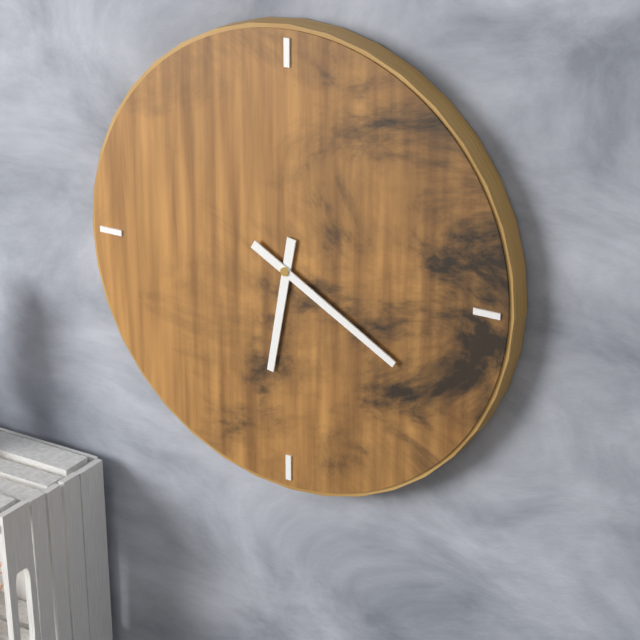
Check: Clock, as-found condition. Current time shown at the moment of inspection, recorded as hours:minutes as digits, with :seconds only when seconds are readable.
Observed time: 6:20
